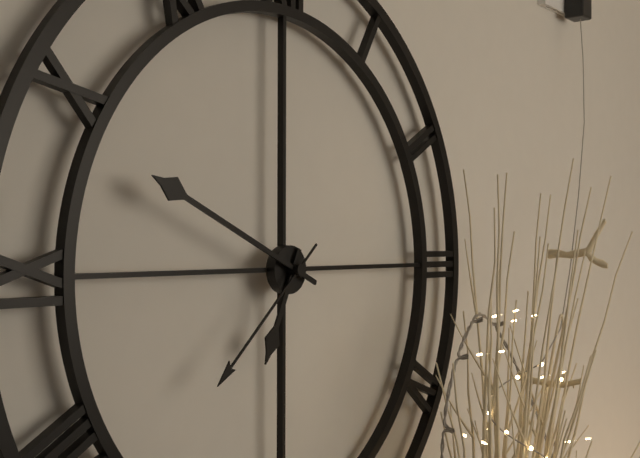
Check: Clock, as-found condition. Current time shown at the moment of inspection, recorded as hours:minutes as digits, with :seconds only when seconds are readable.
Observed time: 6:49:38
